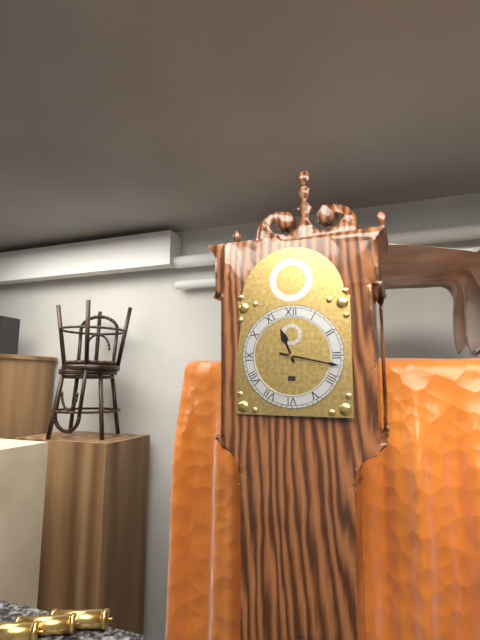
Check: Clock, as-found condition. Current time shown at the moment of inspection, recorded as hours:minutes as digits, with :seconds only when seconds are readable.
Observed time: 11:17
